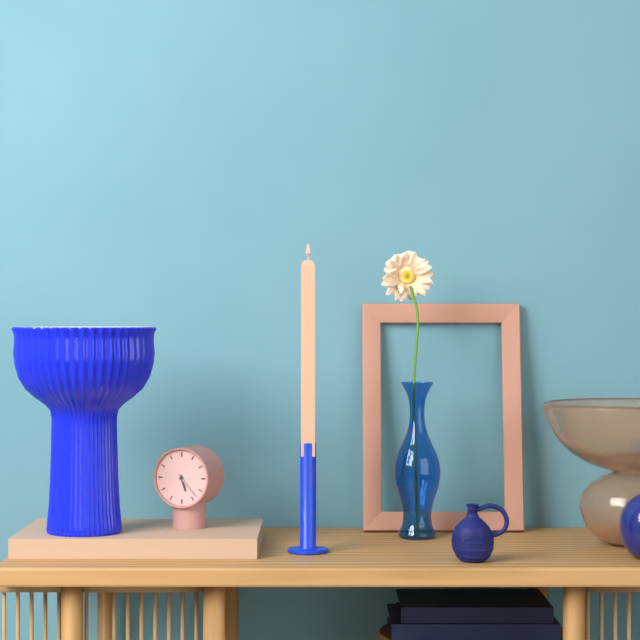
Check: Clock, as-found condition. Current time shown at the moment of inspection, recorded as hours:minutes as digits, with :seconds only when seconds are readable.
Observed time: 5:23
